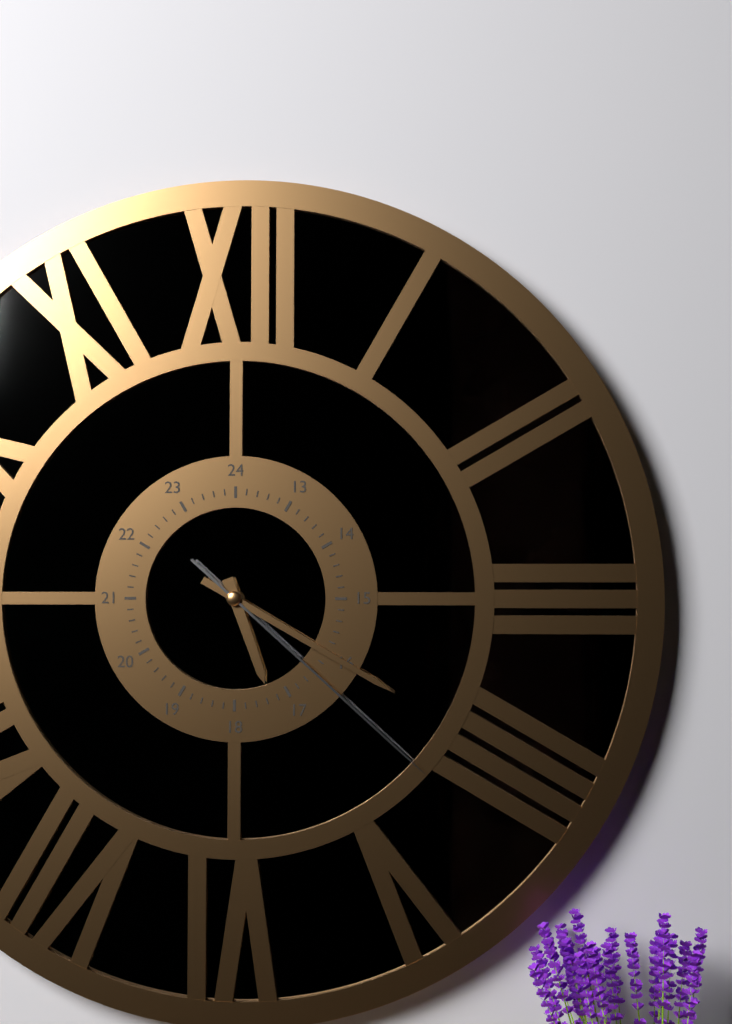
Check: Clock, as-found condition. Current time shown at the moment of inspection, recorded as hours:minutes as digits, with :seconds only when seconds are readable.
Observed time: 5:20:22
